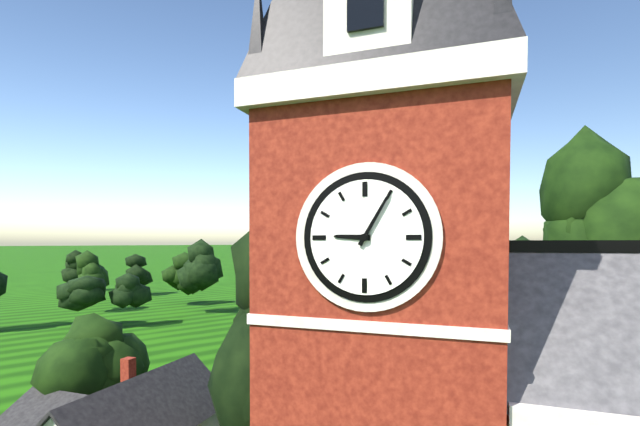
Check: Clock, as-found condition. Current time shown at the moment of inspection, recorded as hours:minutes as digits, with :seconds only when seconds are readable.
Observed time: 9:05
